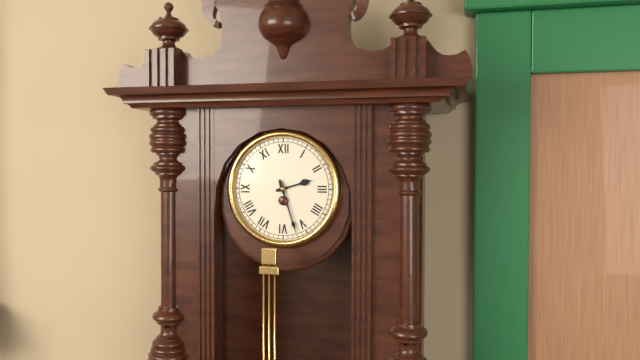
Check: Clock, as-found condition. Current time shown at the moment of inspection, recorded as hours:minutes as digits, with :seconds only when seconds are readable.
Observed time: 2:27
